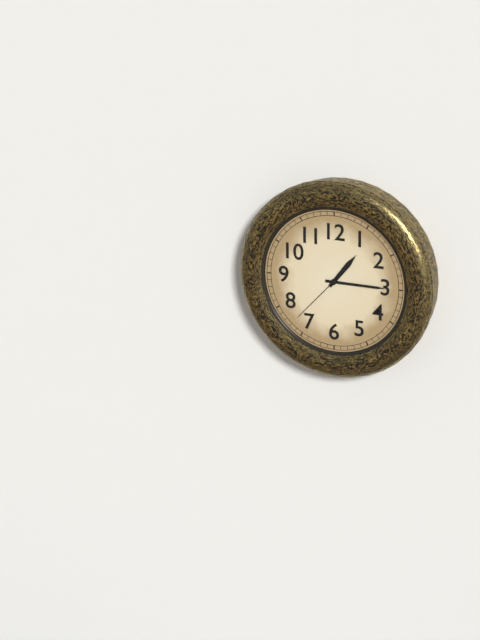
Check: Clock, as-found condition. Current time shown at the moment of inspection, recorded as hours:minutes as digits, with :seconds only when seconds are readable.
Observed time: 1:15:37
